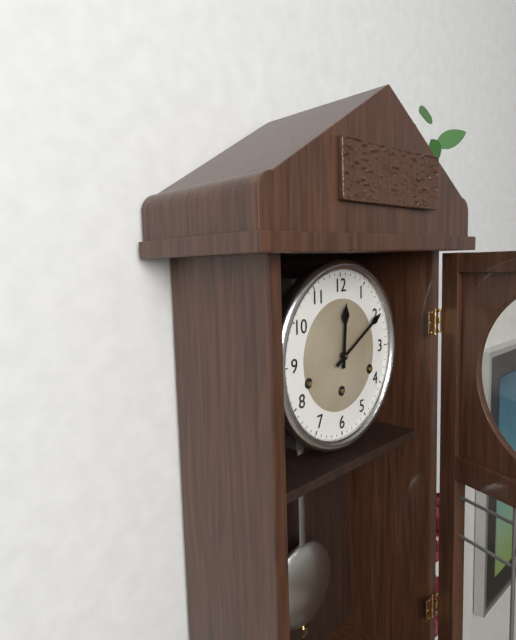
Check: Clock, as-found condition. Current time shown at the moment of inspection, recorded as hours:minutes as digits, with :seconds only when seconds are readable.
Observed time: 12:10
